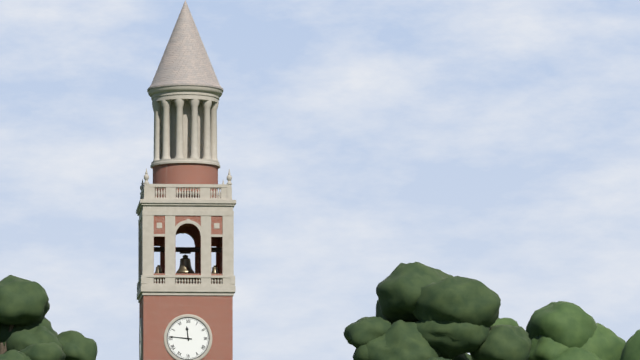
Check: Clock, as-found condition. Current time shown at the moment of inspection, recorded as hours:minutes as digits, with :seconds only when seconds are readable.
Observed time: 11:46
